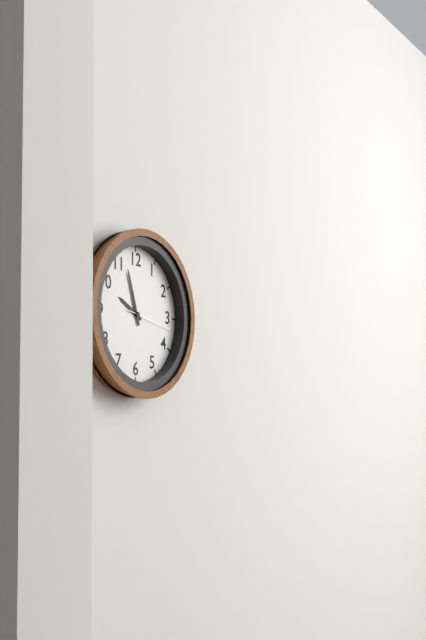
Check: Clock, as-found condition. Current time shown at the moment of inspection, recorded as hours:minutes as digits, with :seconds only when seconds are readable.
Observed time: 9:57
